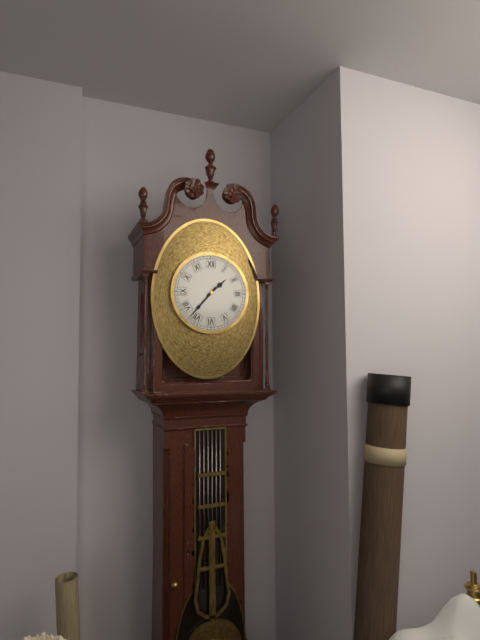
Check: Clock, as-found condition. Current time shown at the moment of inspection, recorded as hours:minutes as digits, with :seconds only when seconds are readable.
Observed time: 1:37
